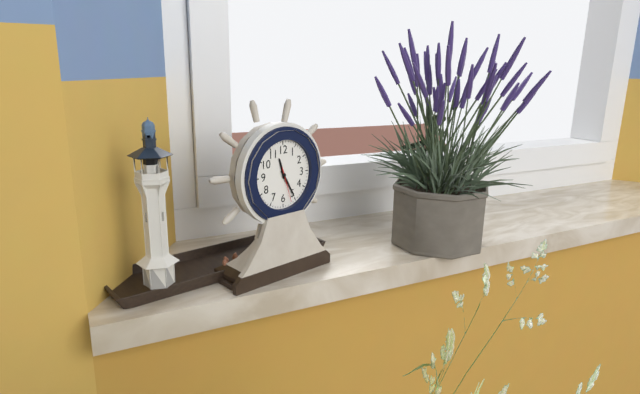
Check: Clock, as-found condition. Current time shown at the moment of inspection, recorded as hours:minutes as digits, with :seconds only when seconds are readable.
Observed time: 11:25
